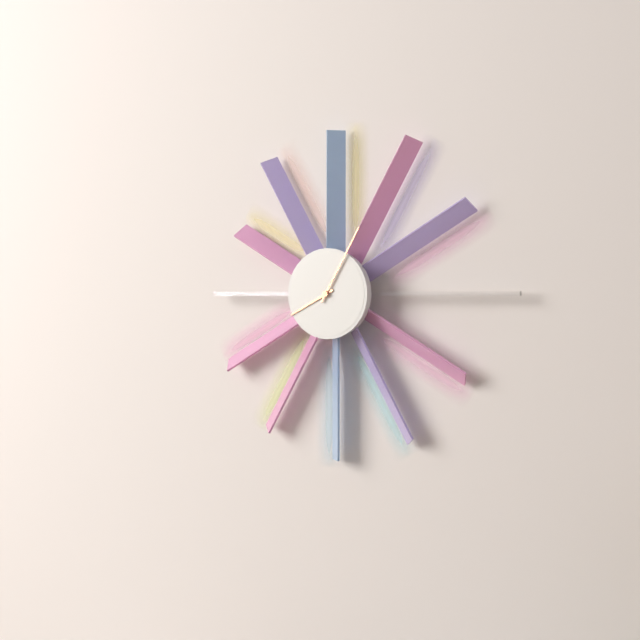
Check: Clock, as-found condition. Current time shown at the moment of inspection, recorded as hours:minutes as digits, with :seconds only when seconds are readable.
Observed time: 8:05
